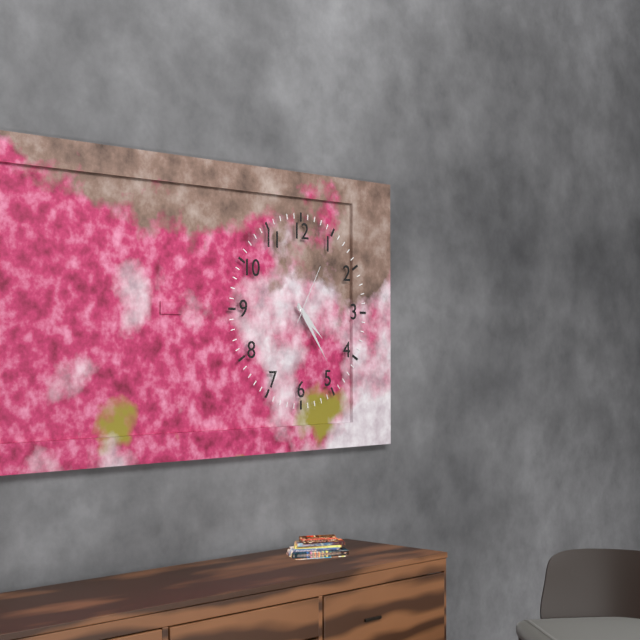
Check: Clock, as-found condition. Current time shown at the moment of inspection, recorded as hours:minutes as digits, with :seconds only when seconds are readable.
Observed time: 4:24:05
